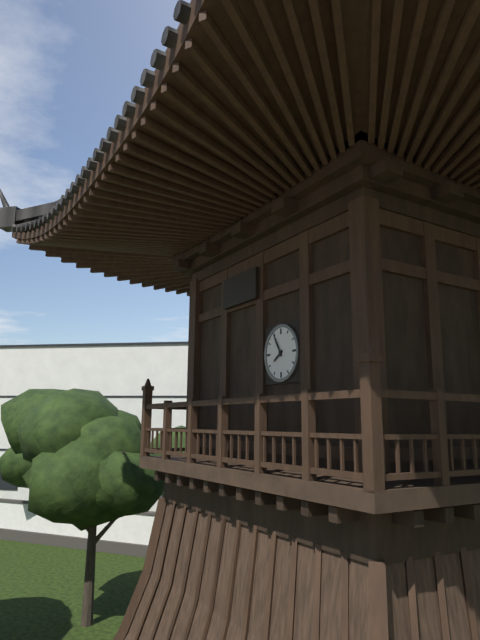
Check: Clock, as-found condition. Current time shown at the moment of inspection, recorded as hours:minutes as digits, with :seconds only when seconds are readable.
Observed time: 7:55
